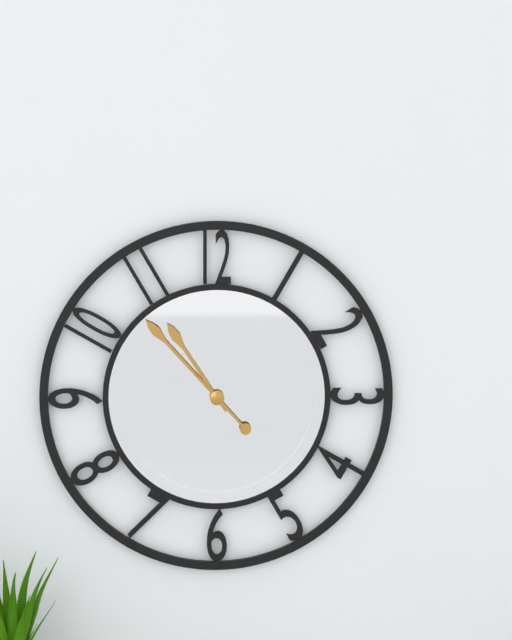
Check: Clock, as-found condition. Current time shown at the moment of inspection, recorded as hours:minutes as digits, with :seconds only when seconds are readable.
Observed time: 10:53
